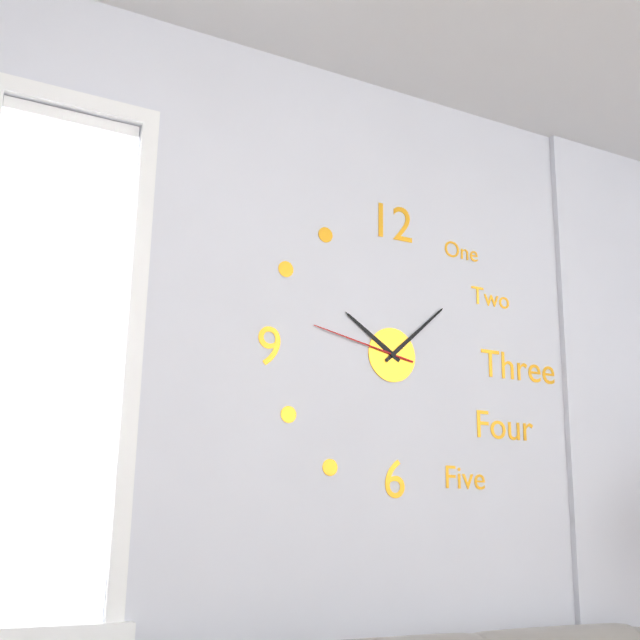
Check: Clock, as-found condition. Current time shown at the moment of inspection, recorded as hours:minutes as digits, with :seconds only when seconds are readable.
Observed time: 10:08:47
